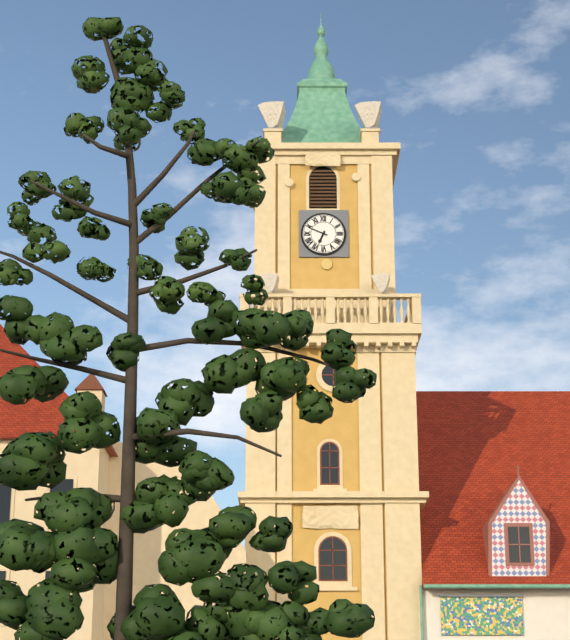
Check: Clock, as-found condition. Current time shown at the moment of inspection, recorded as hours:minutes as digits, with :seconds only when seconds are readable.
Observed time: 6:49
